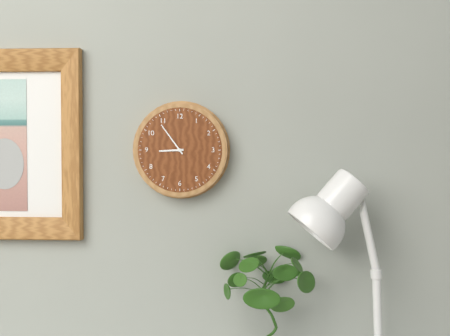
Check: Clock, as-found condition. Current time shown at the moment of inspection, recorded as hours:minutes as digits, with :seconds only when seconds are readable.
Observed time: 8:54
